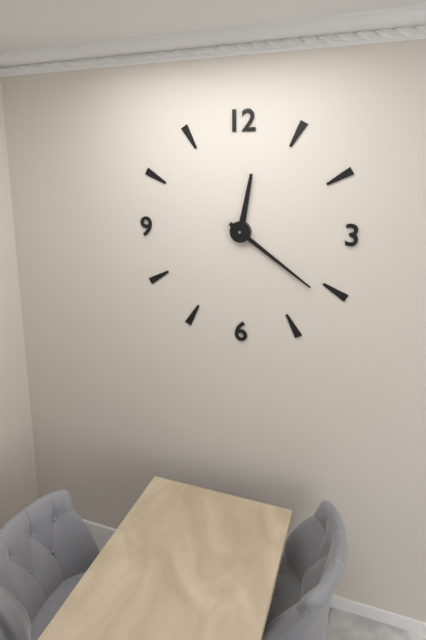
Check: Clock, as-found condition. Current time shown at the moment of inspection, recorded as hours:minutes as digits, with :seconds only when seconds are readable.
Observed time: 12:21
